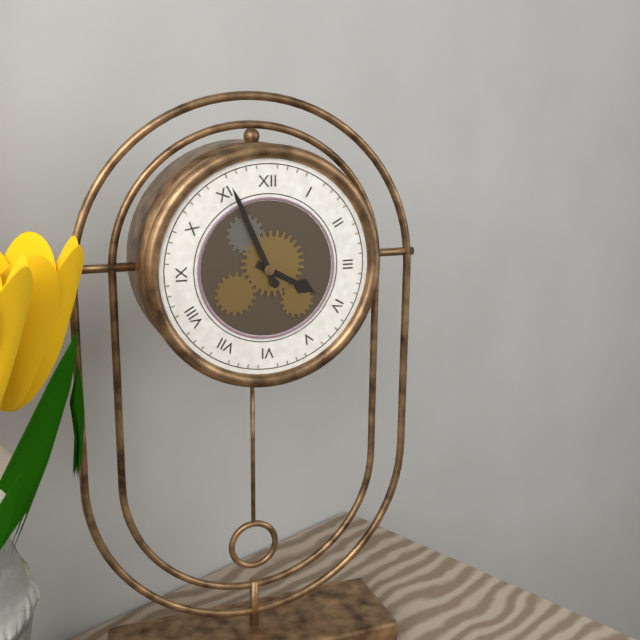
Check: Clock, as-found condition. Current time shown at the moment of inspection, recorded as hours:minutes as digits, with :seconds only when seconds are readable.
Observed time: 3:56
